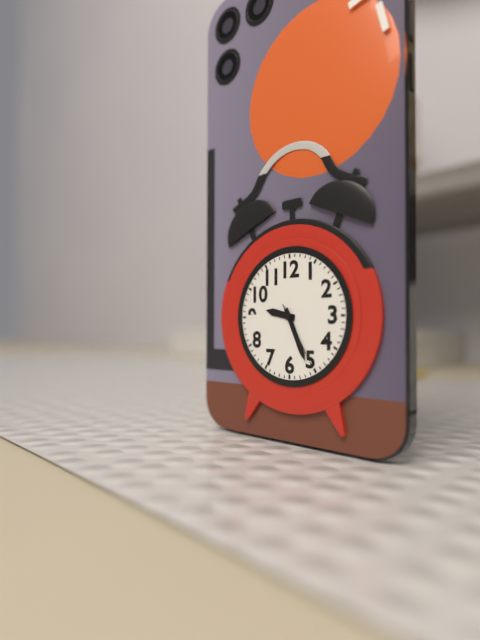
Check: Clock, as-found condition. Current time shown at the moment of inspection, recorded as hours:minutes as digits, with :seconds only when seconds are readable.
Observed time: 9:26:25
